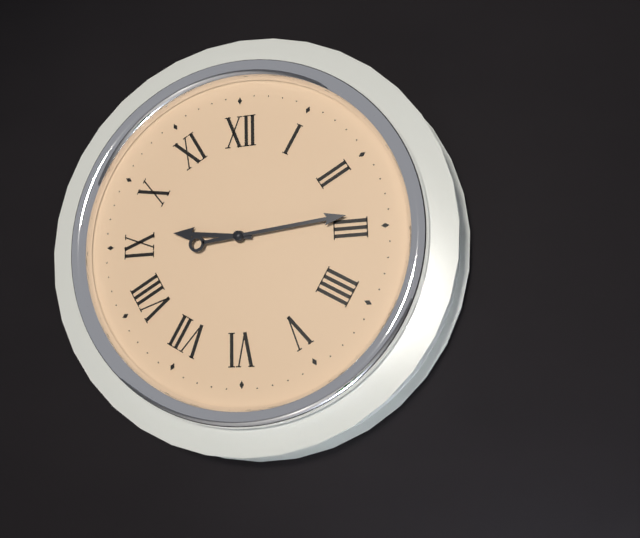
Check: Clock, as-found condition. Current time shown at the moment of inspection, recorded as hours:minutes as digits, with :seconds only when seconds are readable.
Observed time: 9:14
